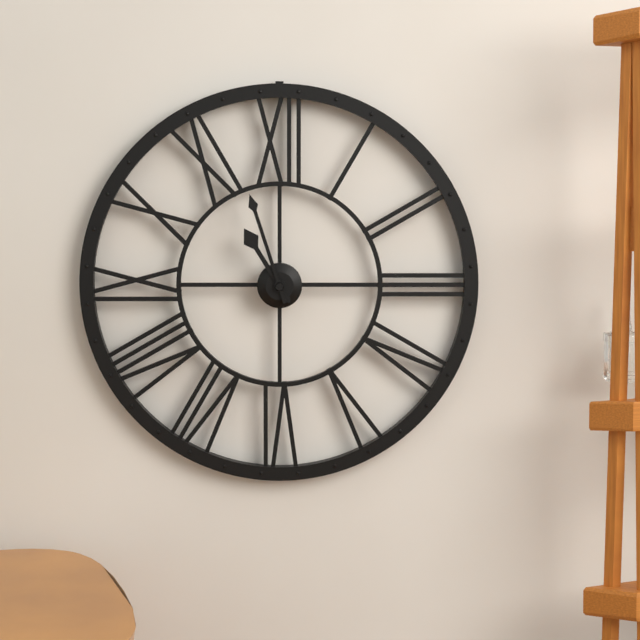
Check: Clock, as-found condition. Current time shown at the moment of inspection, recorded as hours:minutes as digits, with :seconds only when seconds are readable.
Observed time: 10:57
